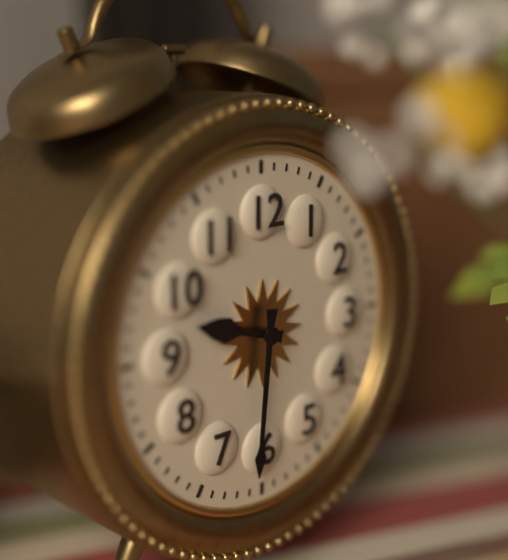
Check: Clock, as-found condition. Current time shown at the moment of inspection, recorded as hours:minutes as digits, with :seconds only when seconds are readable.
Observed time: 9:31
